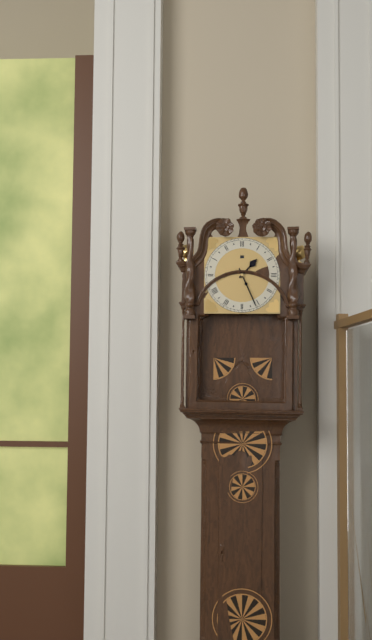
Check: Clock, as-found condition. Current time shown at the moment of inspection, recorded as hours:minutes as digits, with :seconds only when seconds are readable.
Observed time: 1:26
